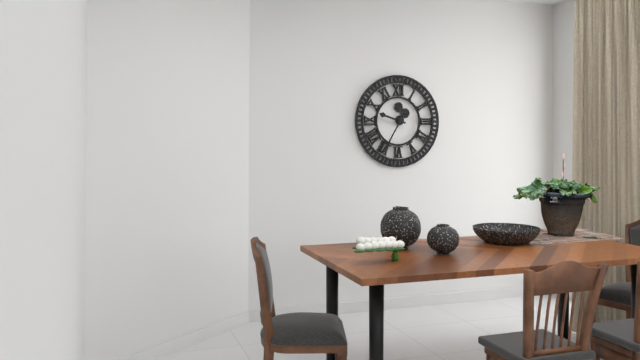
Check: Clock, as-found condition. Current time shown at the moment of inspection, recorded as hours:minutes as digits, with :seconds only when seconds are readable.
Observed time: 9:35
